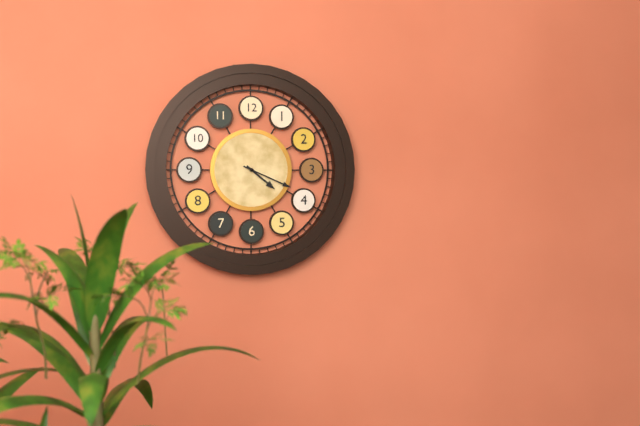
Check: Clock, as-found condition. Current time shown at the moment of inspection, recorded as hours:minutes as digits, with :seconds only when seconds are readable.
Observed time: 4:19
